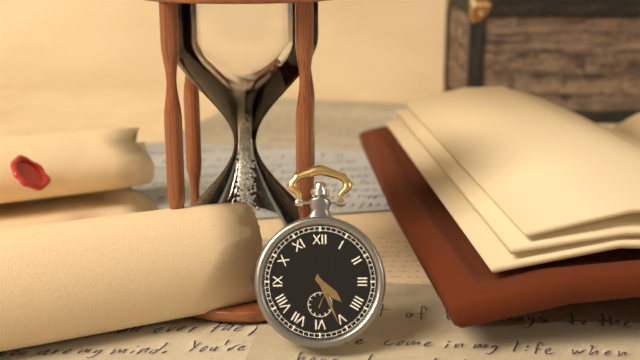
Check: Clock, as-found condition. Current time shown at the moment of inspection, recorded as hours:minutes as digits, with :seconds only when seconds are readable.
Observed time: 4:26
